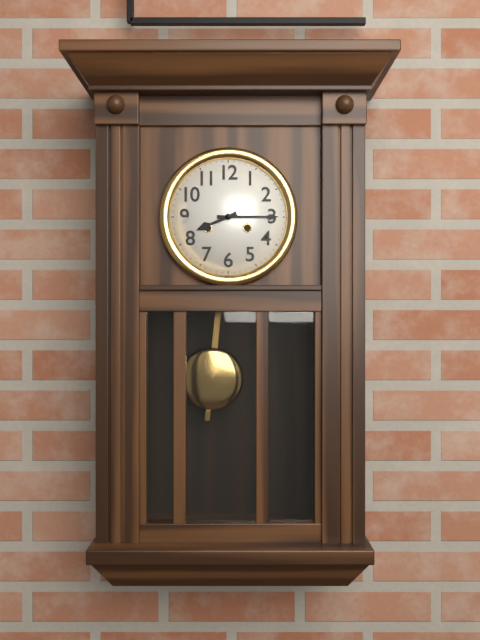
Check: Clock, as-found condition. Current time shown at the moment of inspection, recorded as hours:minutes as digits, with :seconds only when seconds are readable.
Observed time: 8:15
